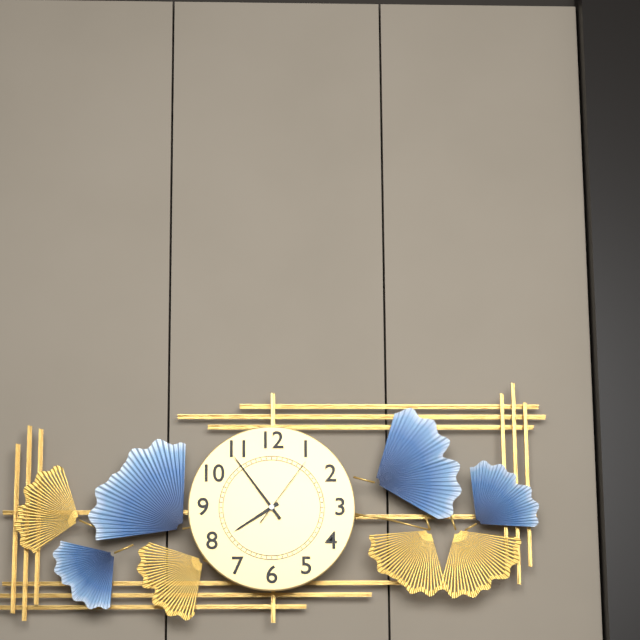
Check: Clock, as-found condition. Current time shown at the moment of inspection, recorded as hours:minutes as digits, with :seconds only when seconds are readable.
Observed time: 7:54:06
